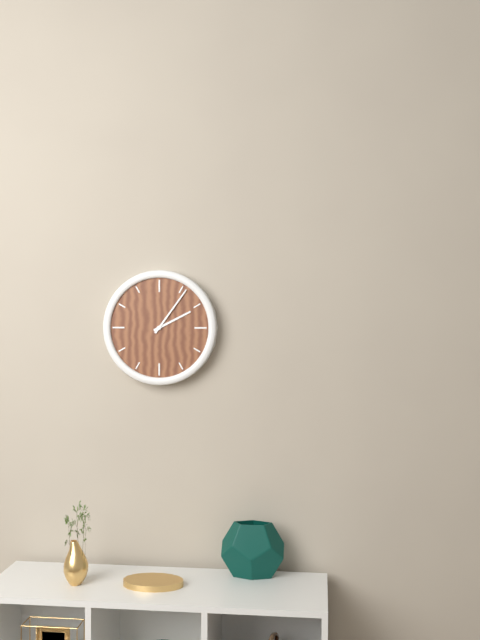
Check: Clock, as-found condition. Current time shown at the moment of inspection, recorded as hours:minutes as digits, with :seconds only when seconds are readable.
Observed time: 2:06
